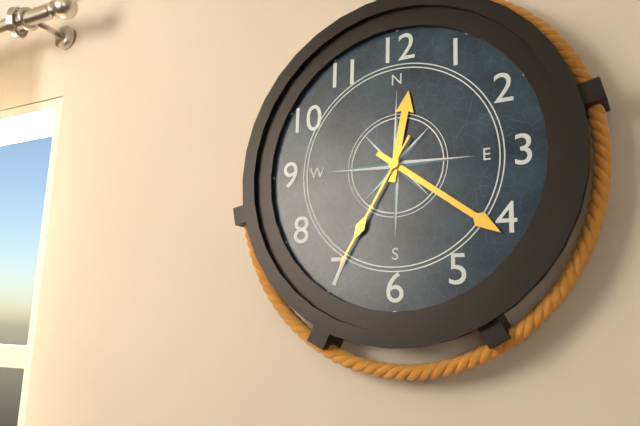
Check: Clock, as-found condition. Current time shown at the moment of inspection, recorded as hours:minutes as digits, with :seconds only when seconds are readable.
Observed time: 12:21:35
